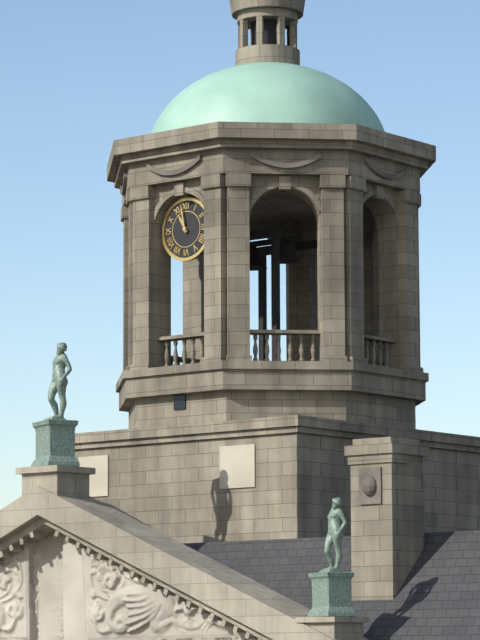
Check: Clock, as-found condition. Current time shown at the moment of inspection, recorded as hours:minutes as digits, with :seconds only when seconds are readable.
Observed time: 10:58
